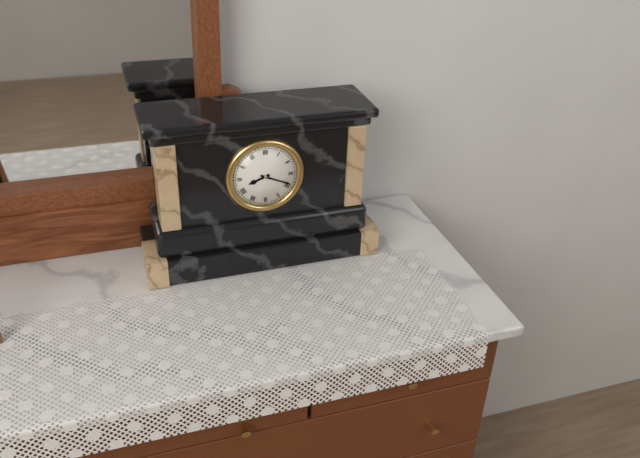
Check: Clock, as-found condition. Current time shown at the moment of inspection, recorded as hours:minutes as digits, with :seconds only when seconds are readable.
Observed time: 8:19
